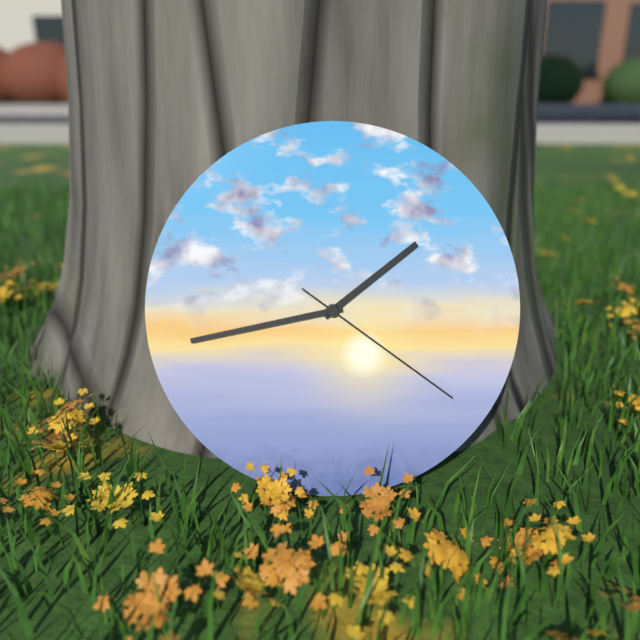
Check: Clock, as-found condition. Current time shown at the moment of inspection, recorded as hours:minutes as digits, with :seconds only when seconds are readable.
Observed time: 1:43:21
